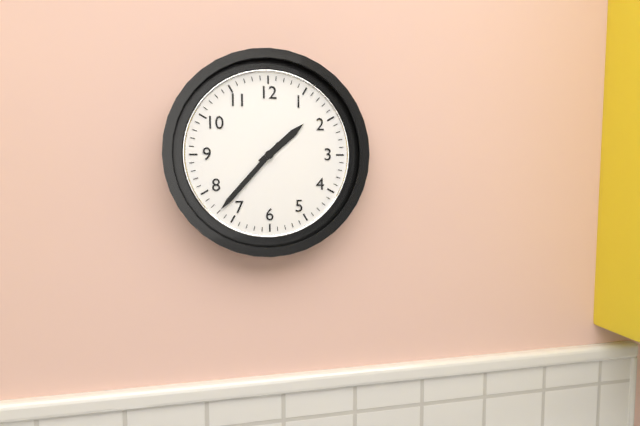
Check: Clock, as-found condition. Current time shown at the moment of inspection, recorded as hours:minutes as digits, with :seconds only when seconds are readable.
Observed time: 1:37
